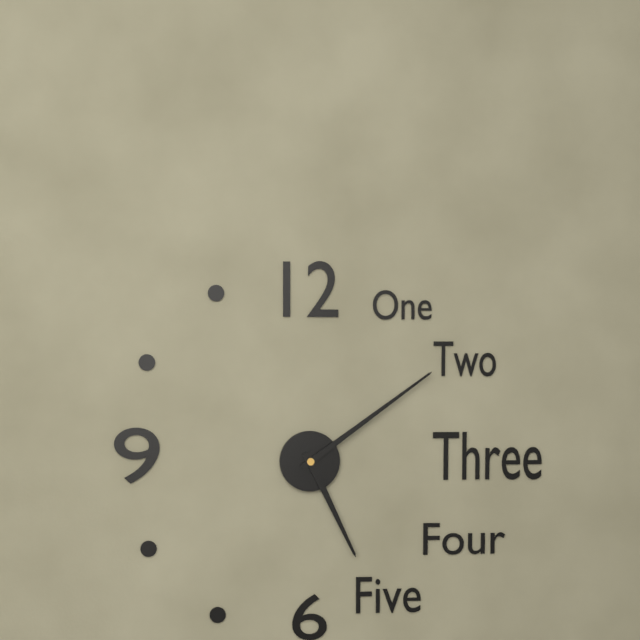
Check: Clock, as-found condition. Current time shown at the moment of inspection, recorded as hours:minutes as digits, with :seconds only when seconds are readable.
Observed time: 5:09
